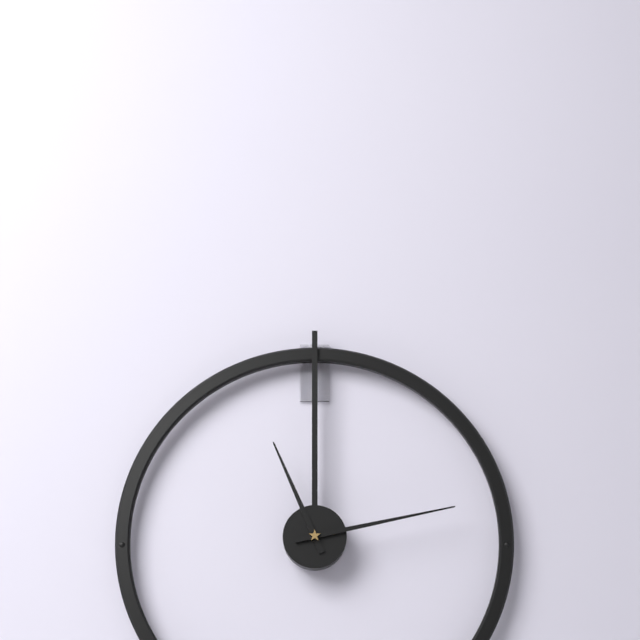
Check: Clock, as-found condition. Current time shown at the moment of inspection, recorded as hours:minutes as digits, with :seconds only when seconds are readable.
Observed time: 11:13
